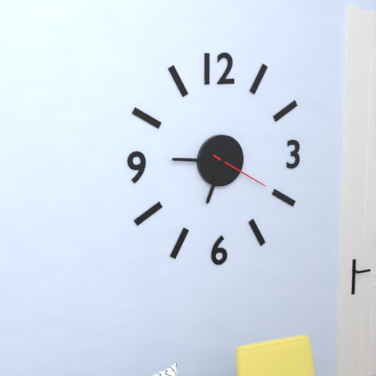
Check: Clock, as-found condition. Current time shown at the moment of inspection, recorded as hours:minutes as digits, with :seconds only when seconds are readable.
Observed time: 6:46:20
